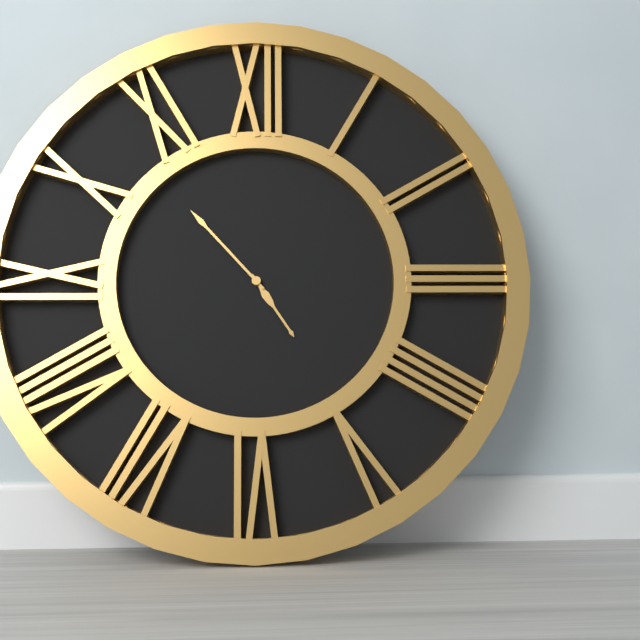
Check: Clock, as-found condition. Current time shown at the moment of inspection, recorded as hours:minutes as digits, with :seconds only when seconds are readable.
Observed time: 4:53
